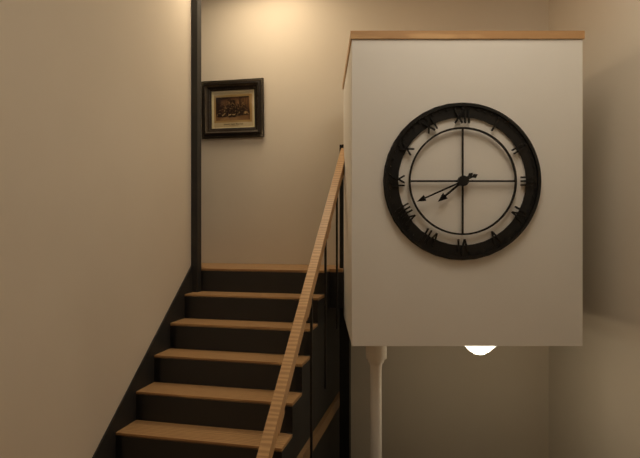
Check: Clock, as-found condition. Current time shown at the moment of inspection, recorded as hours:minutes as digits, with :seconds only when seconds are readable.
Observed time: 7:41
